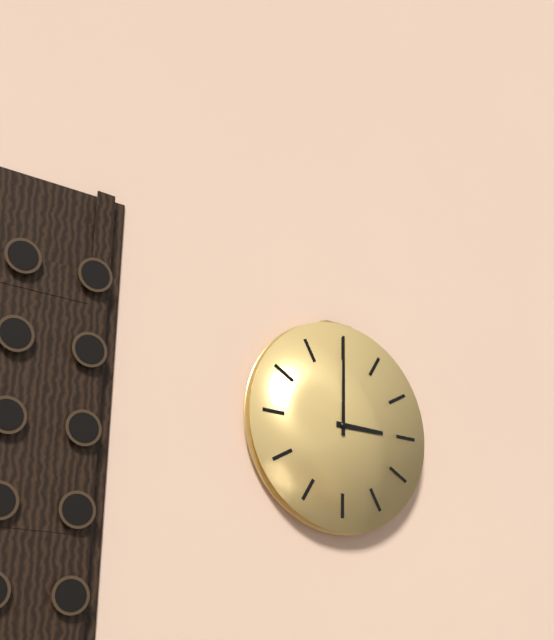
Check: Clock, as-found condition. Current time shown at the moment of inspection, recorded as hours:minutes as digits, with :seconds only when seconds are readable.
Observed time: 3:00
